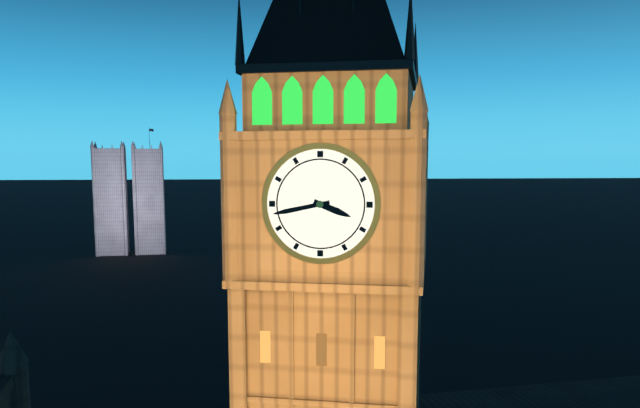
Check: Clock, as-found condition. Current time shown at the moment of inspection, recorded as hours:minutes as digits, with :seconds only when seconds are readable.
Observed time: 3:43
